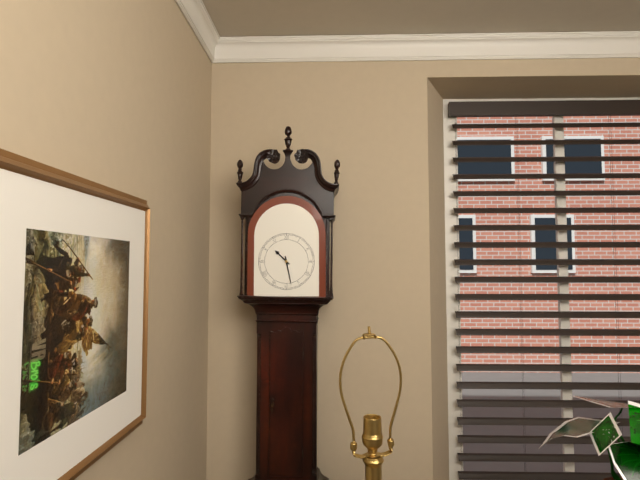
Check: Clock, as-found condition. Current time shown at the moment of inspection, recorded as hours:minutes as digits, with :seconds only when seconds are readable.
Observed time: 10:28
